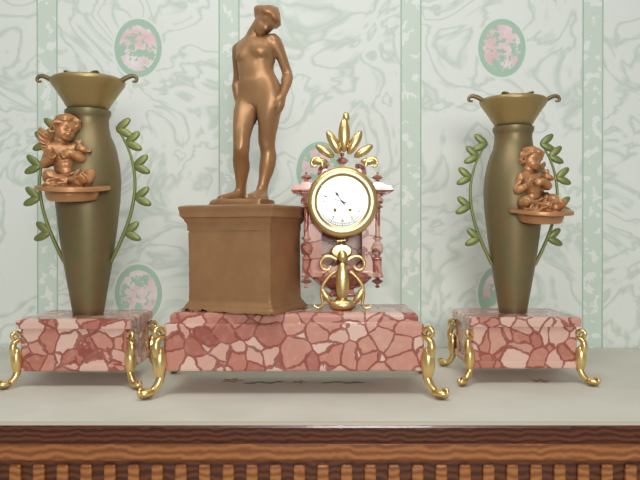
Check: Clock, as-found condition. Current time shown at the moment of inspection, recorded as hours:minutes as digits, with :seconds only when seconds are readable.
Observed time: 10:48
